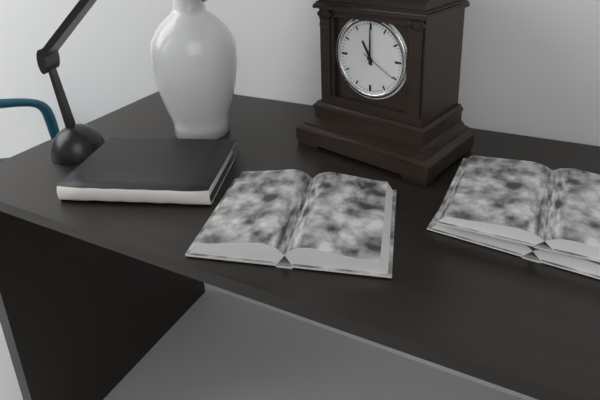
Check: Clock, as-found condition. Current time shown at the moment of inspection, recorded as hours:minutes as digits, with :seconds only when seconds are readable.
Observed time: 11:00
